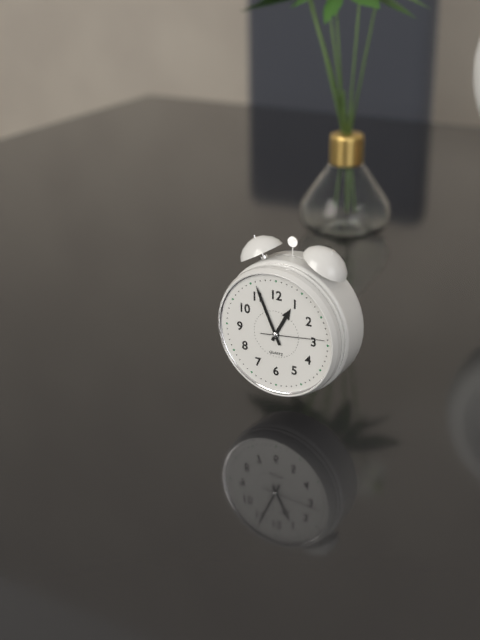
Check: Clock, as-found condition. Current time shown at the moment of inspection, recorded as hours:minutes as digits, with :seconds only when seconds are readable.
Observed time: 12:56:14
